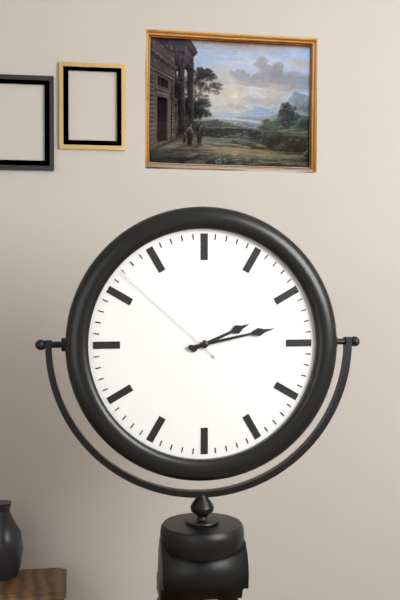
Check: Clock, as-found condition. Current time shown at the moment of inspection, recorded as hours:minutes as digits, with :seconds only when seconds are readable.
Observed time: 2:13:52
